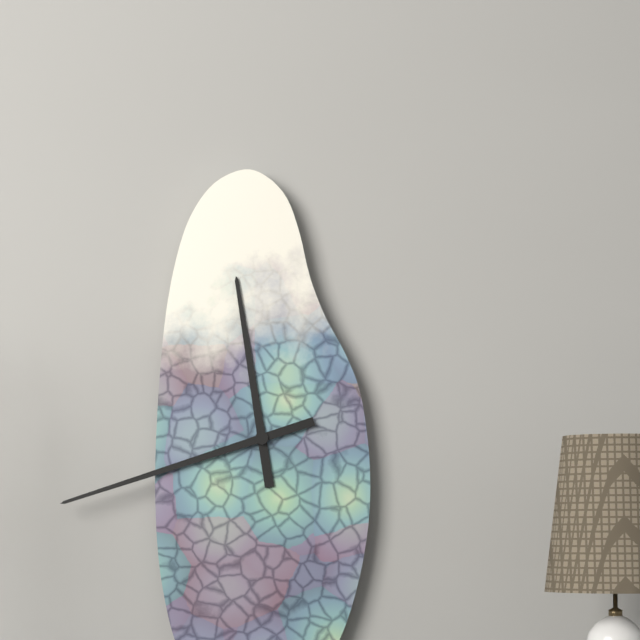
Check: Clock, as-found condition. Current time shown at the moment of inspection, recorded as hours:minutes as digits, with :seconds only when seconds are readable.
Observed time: 11:42
